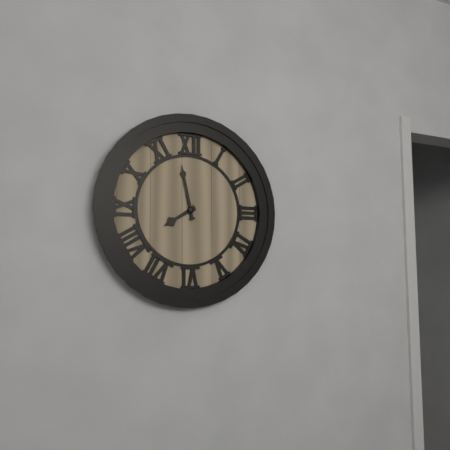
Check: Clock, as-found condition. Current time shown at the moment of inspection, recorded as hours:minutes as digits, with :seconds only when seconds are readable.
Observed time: 7:58
